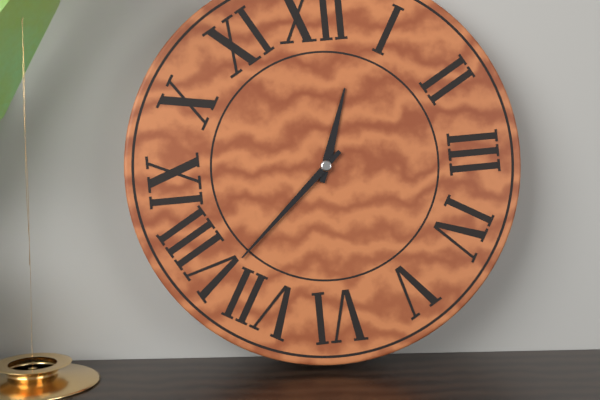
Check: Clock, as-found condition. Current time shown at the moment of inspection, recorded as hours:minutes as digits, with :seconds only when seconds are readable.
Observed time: 12:38
